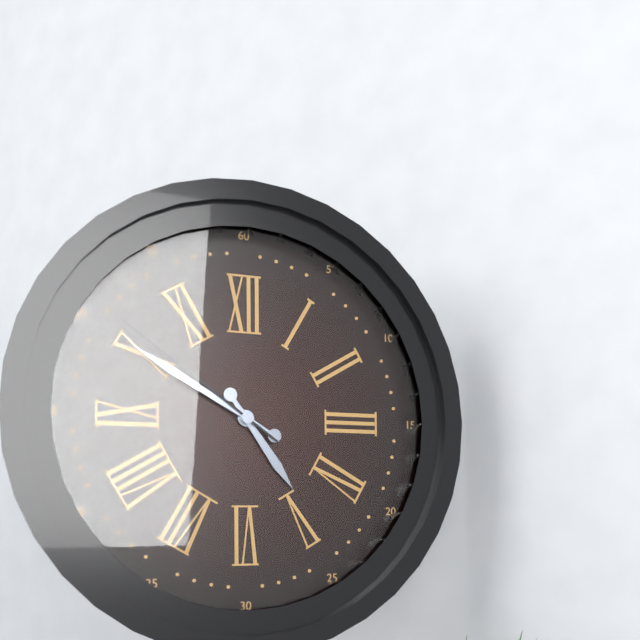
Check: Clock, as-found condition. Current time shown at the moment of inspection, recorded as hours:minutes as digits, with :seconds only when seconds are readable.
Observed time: 4:50:51
